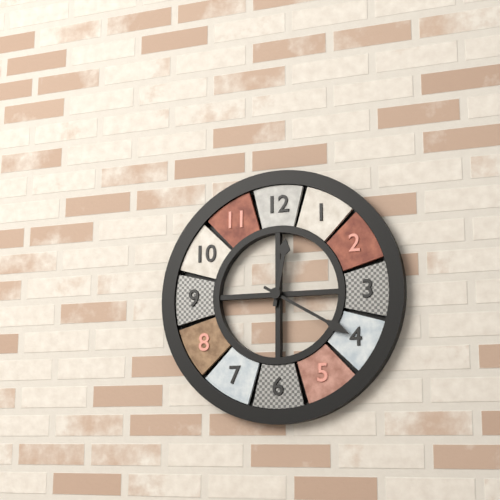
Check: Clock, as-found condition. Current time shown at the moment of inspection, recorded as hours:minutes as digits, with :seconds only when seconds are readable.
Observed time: 12:20
